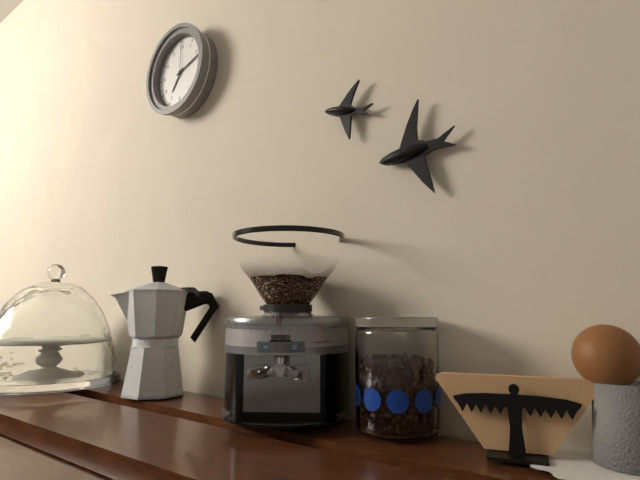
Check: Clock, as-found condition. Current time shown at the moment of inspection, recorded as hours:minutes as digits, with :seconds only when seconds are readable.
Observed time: 7:12
